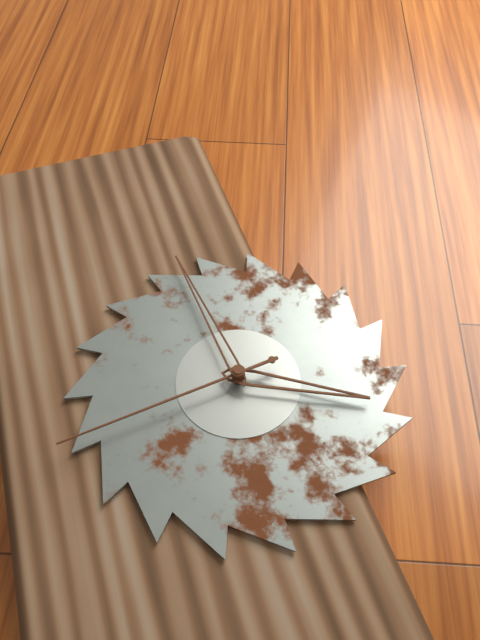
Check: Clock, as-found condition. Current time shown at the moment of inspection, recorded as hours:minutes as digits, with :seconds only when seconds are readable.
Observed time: 3:59:44
